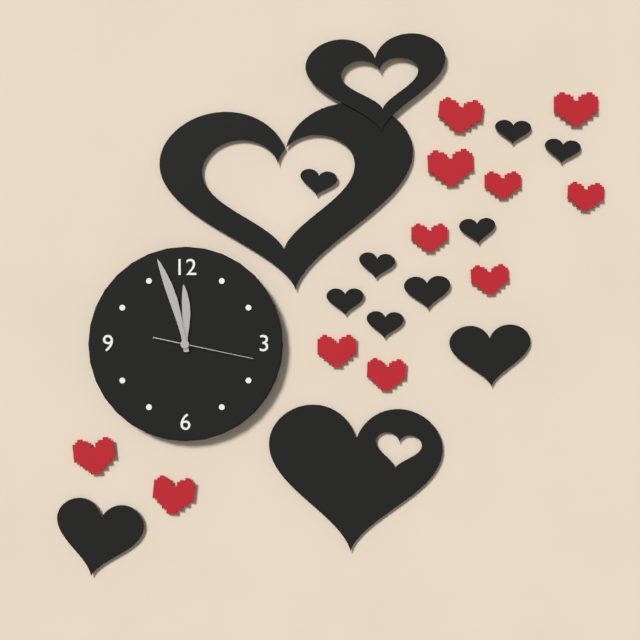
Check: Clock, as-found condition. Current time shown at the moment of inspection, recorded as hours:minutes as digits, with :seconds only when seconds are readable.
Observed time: 11:57:17
